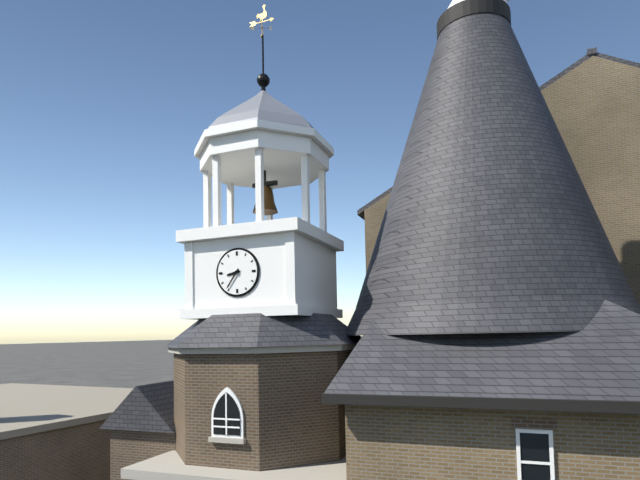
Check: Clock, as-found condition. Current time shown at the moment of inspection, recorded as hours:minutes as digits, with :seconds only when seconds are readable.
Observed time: 8:36
